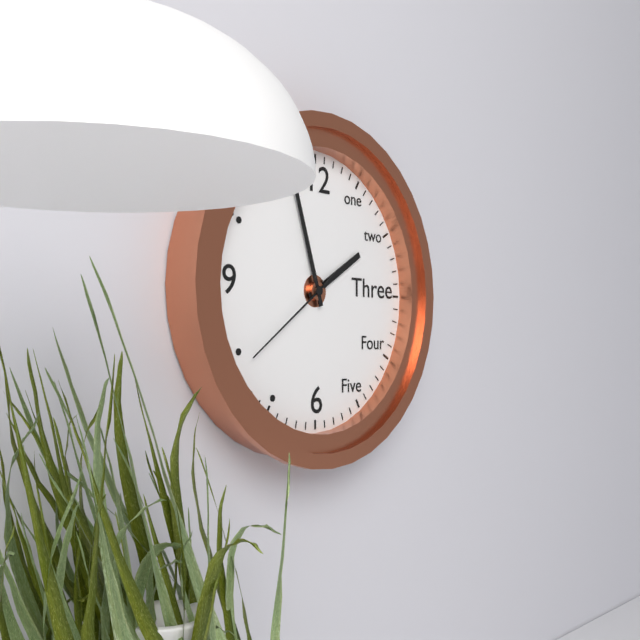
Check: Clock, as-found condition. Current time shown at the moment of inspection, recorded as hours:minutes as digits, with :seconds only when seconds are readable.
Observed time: 1:57:39
